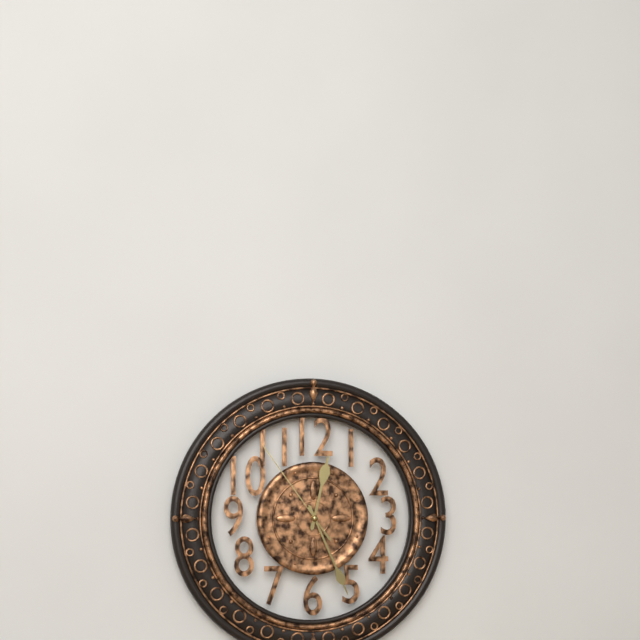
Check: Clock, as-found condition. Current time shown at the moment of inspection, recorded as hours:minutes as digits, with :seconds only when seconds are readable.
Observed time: 12:26:54
